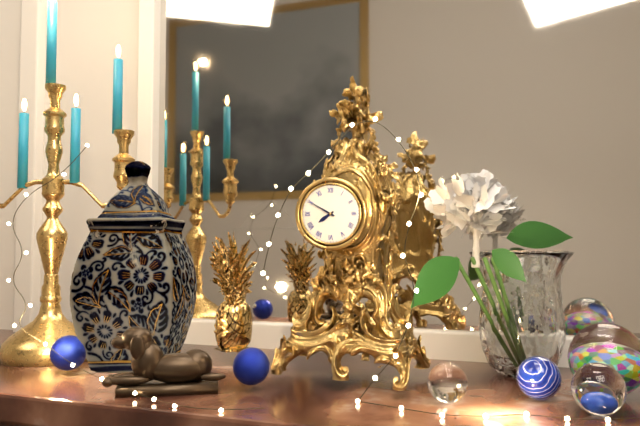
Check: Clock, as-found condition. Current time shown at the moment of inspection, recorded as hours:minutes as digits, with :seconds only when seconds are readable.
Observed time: 7:50
